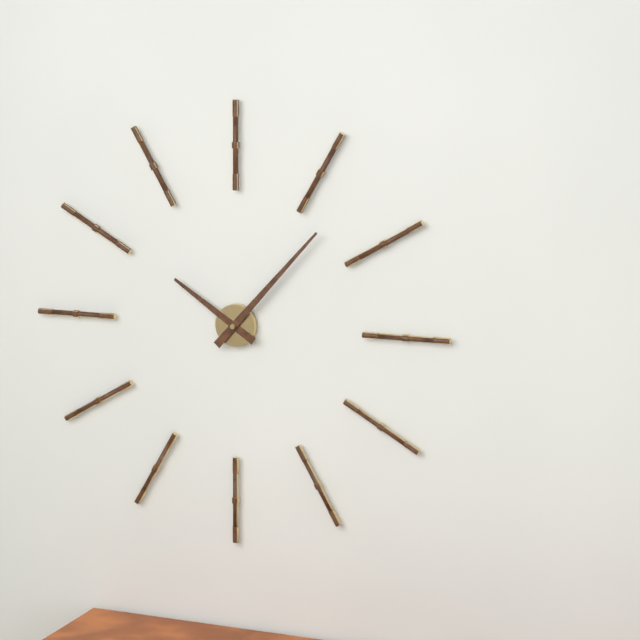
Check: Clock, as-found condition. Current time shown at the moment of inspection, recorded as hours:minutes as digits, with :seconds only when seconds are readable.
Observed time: 10:07
